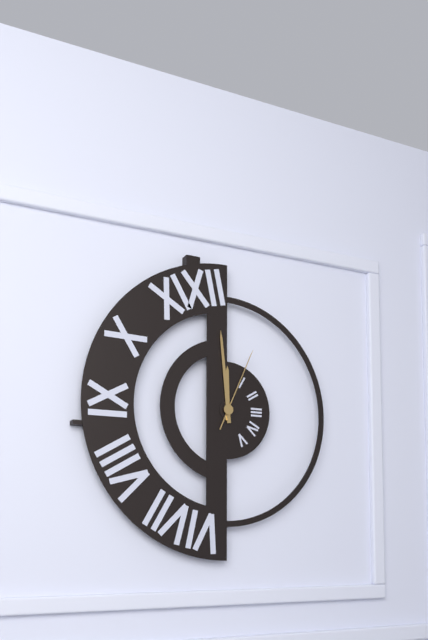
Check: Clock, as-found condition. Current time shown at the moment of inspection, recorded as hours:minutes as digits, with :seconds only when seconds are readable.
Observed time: 11:59:04
